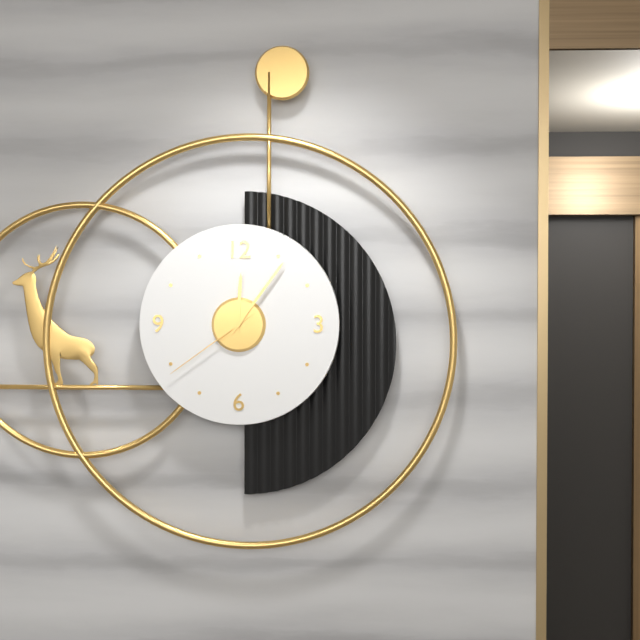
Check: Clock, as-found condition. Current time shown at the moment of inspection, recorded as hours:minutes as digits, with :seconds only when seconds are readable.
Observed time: 12:06:39
